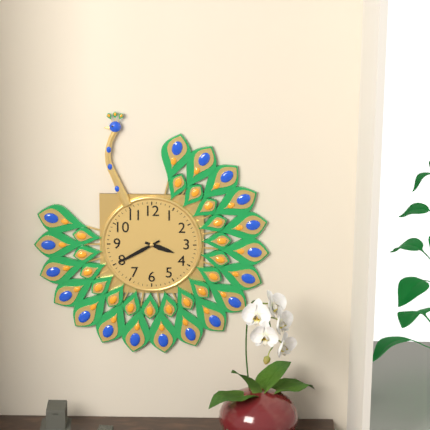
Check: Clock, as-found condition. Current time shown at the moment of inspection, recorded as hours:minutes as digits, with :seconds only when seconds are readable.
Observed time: 3:40
